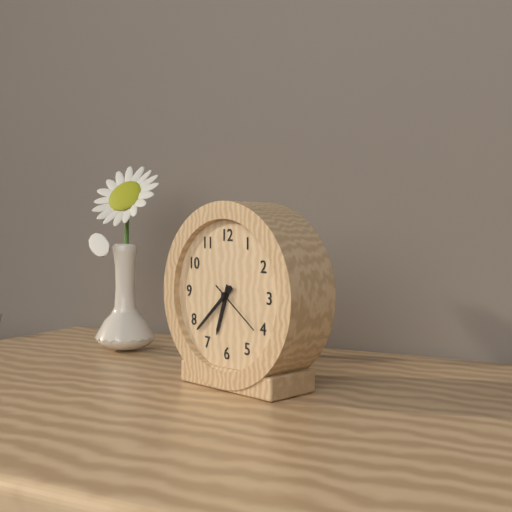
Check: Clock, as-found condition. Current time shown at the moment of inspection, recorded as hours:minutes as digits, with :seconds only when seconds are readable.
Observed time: 6:38:21
